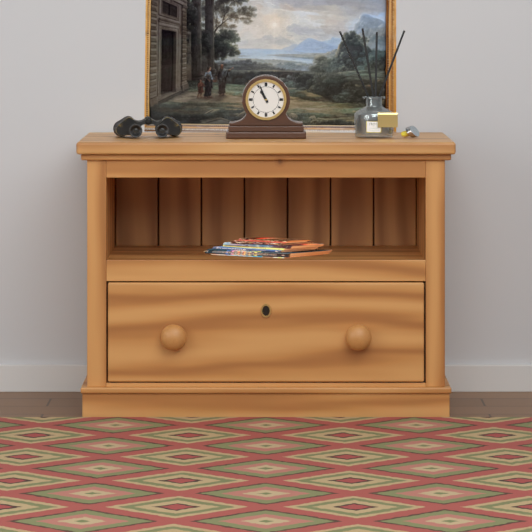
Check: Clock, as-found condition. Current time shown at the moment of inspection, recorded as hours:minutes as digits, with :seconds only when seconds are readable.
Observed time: 10:56
